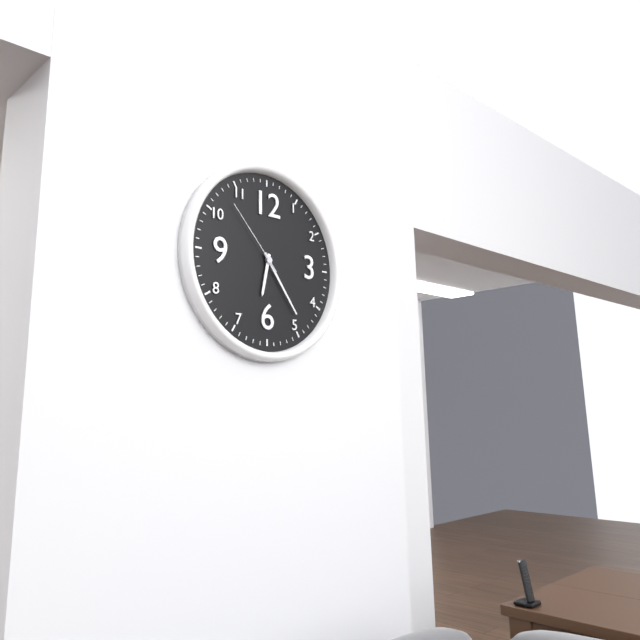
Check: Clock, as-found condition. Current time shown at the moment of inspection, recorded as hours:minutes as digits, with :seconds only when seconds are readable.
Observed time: 6:24:53
